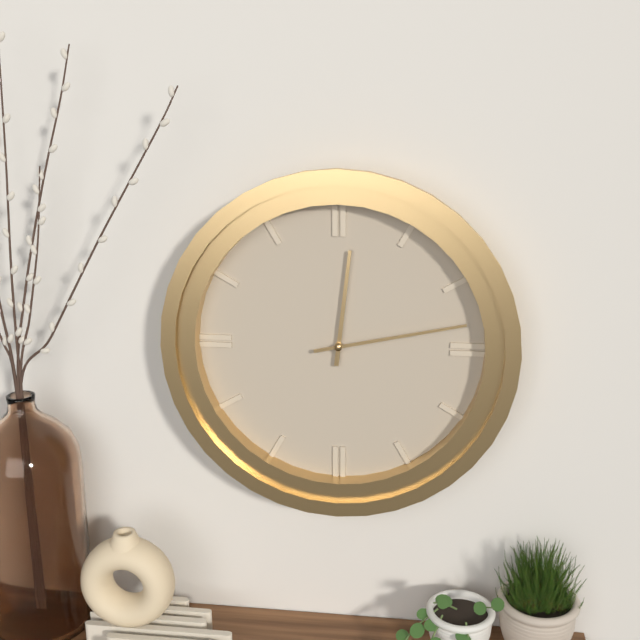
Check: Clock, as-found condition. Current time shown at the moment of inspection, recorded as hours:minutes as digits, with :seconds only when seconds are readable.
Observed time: 12:13
